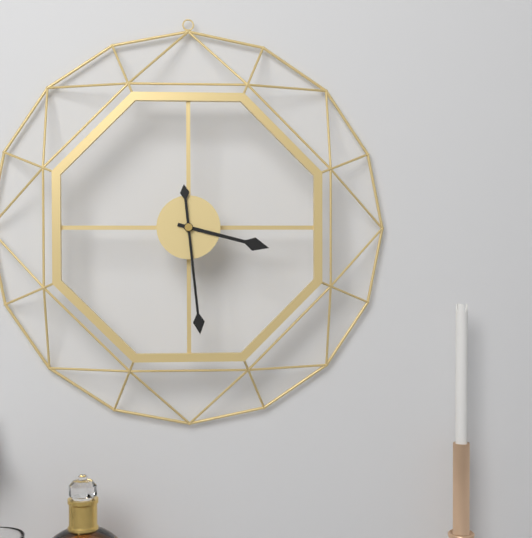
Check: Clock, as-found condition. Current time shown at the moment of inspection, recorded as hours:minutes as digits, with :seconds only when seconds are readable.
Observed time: 3:29
